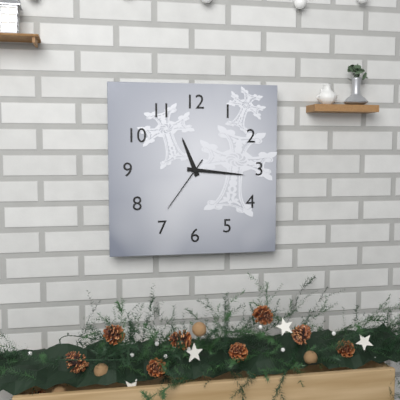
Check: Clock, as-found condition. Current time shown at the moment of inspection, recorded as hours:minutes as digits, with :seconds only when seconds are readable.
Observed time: 11:16:36
